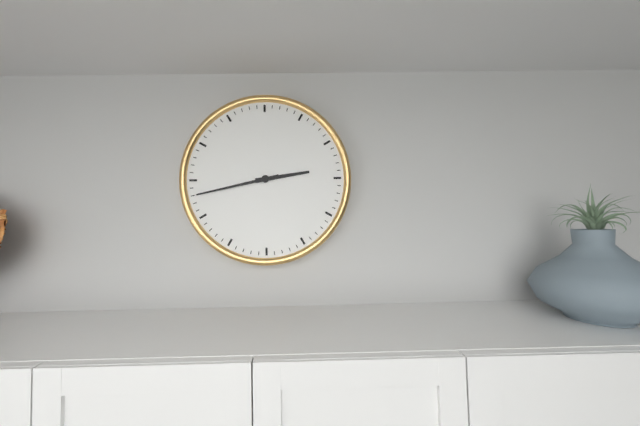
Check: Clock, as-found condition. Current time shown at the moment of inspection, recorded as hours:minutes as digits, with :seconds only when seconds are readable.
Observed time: 2:43
